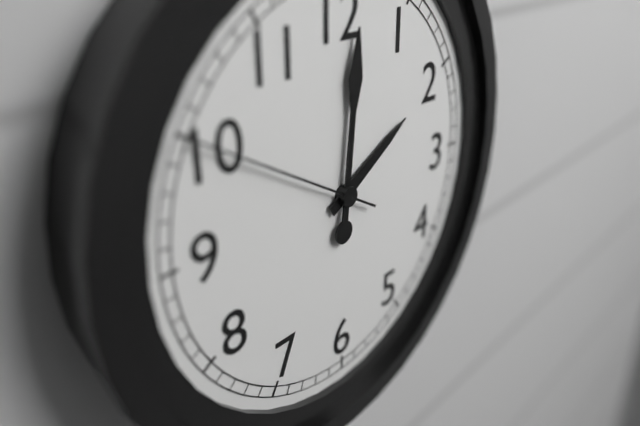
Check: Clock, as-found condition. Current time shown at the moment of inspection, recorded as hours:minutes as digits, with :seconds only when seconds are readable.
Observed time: 2:01:50
